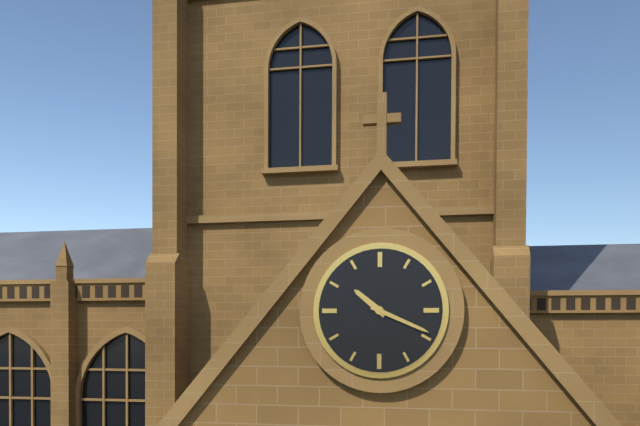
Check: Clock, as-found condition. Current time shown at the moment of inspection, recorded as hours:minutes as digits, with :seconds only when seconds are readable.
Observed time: 10:19
